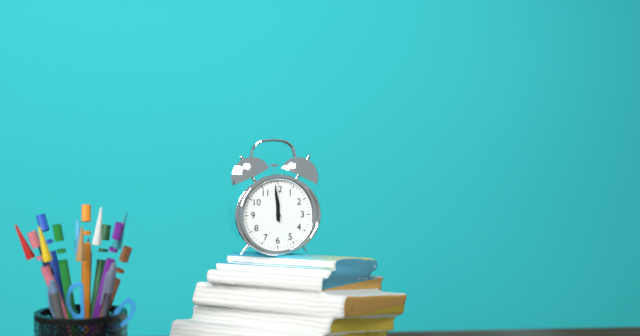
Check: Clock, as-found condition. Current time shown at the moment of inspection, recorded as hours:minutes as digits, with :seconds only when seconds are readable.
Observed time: 11:59
